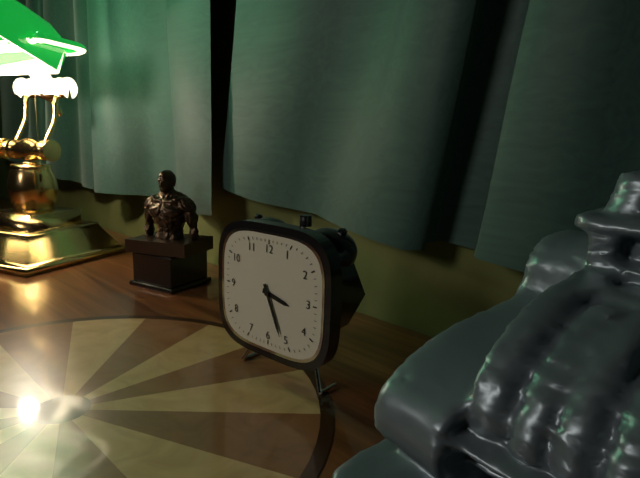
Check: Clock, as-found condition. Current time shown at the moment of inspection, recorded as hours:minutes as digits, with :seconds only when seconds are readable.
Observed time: 3:26
